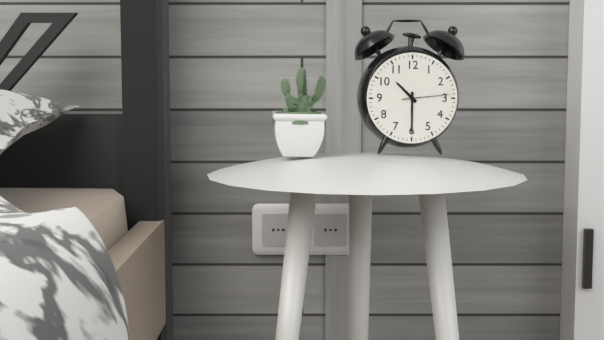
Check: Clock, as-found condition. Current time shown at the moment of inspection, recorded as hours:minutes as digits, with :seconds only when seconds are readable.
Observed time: 10:30
